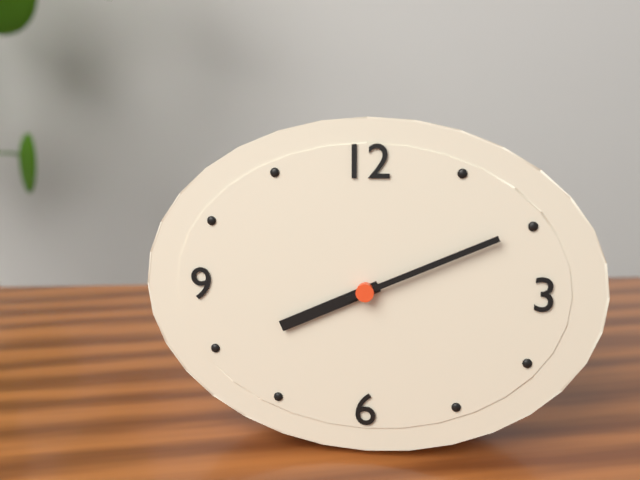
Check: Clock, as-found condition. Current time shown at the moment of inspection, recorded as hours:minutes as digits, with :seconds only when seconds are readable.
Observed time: 8:11
